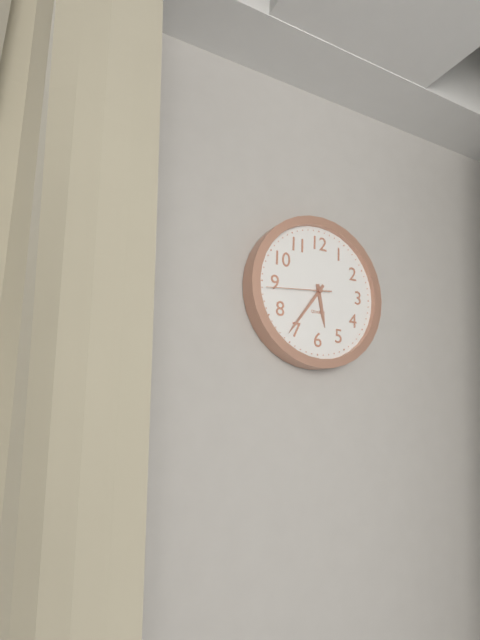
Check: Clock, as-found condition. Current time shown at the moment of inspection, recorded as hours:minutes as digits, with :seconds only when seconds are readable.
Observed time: 5:36:44
